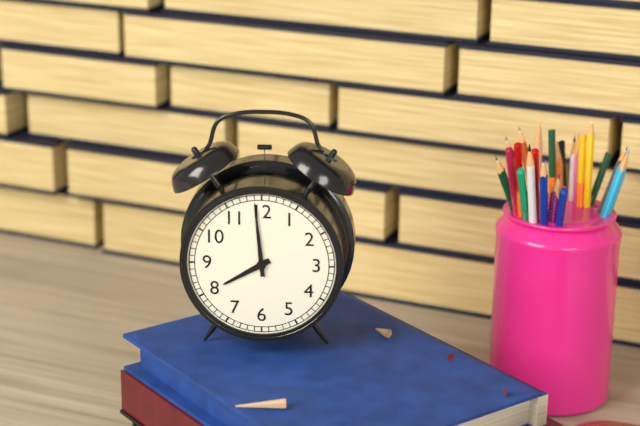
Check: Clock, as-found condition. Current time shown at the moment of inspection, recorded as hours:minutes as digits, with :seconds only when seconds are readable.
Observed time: 7:59
